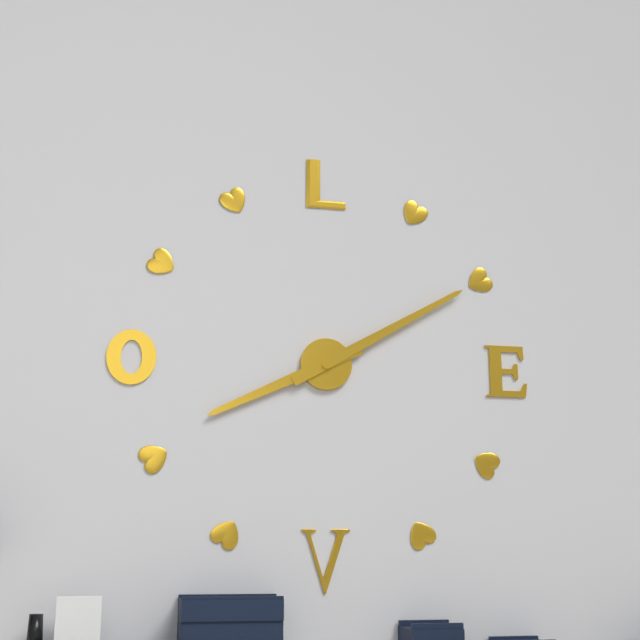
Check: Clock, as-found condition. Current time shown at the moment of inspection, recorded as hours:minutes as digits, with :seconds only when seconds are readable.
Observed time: 8:10
